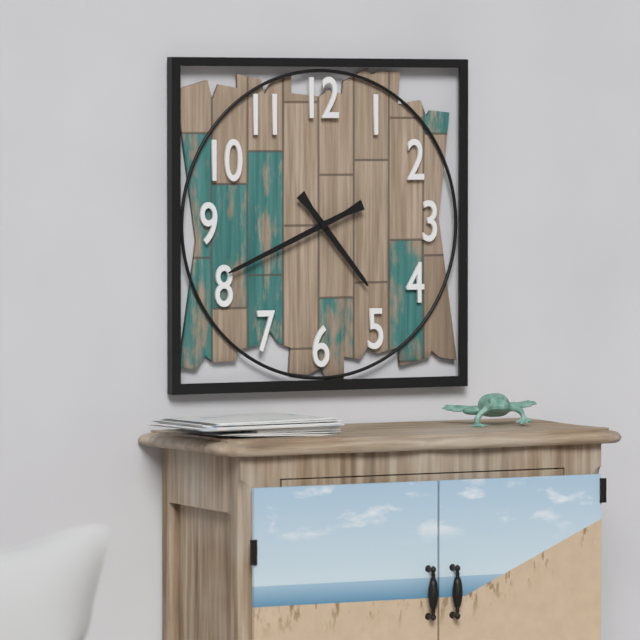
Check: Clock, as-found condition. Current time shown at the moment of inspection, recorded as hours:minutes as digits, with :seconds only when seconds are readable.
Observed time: 4:41
